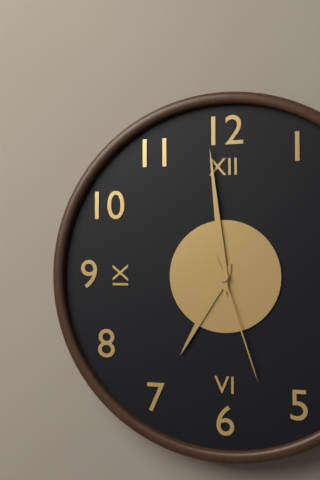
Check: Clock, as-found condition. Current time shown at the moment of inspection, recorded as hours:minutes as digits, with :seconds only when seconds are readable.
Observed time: 6:59:27
